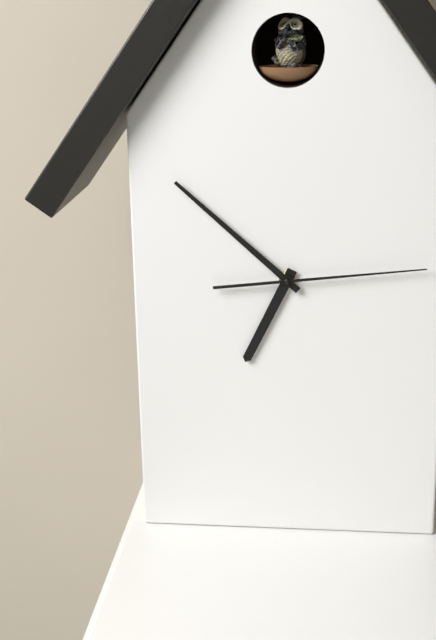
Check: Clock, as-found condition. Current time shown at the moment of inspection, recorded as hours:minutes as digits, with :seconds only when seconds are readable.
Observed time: 6:52:14
